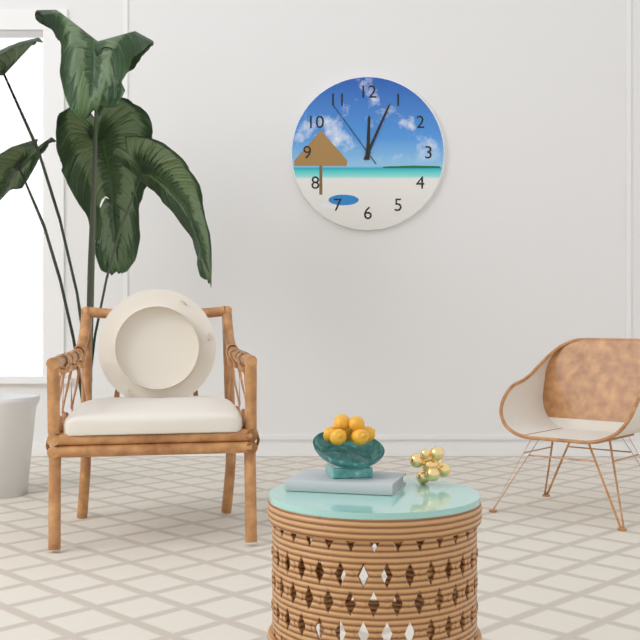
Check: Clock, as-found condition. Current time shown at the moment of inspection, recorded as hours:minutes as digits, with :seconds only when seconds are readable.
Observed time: 12:04:54
